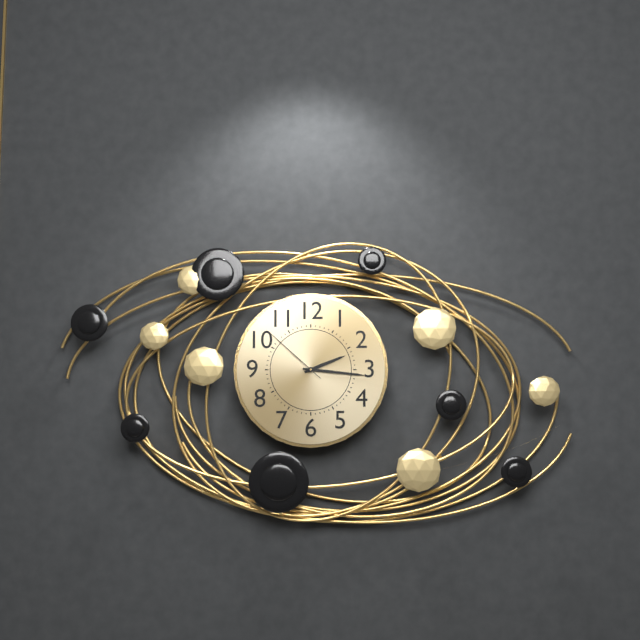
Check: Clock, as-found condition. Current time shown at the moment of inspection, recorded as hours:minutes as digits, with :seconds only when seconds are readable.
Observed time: 2:16:52
